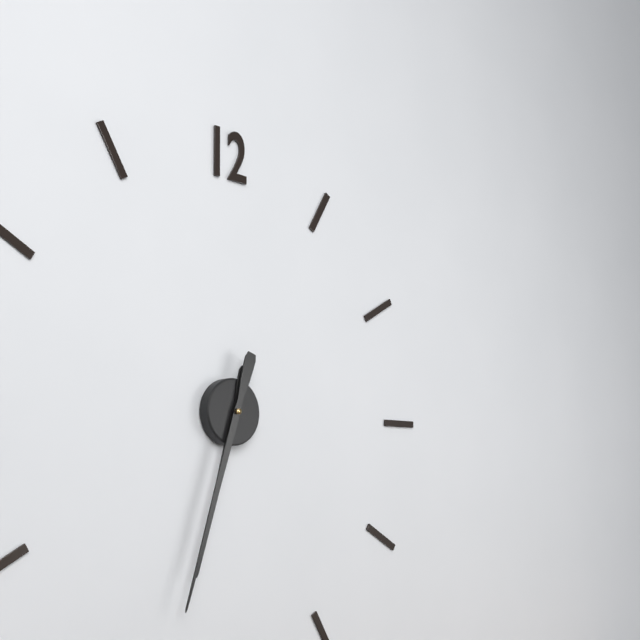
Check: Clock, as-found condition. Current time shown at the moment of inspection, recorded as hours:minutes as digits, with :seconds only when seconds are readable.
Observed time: 6:33
